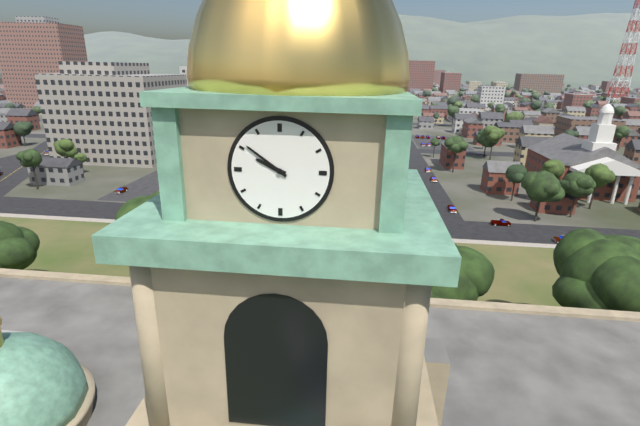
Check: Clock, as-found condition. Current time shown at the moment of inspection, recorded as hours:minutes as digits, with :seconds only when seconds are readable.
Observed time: 9:51
